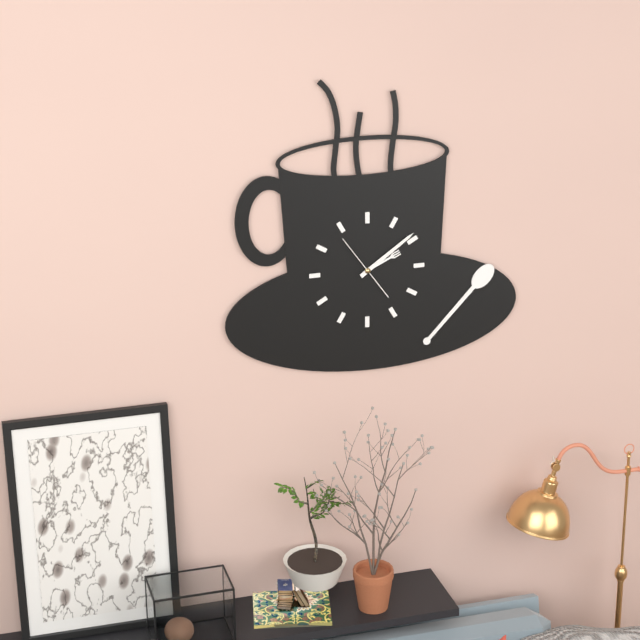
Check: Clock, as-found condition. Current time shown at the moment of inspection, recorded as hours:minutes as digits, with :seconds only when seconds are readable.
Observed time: 2:09
